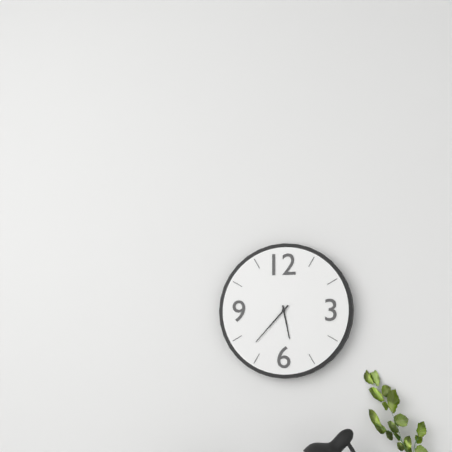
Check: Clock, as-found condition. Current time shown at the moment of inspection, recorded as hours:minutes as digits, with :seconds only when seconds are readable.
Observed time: 5:37
